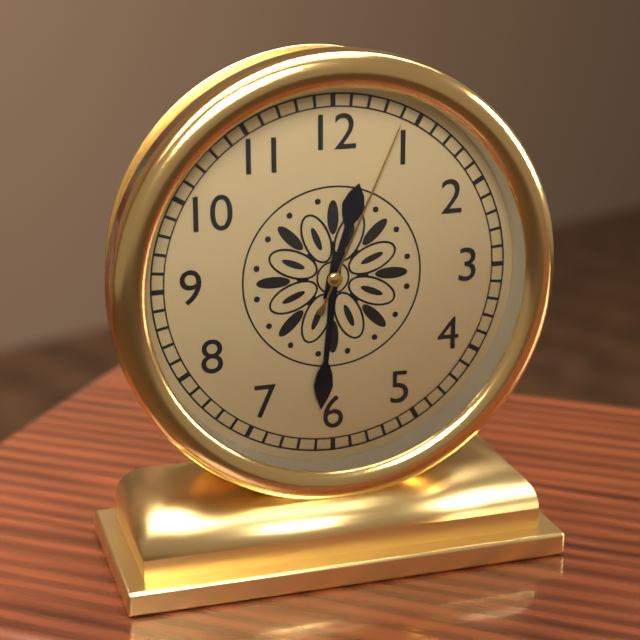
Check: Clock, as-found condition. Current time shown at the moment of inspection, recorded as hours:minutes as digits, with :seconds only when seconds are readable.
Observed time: 12:31:04
